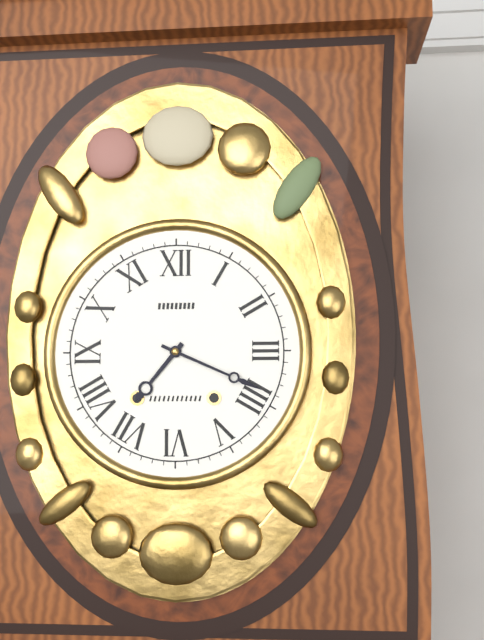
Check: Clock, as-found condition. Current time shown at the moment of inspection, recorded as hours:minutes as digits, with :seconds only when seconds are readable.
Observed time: 7:19
